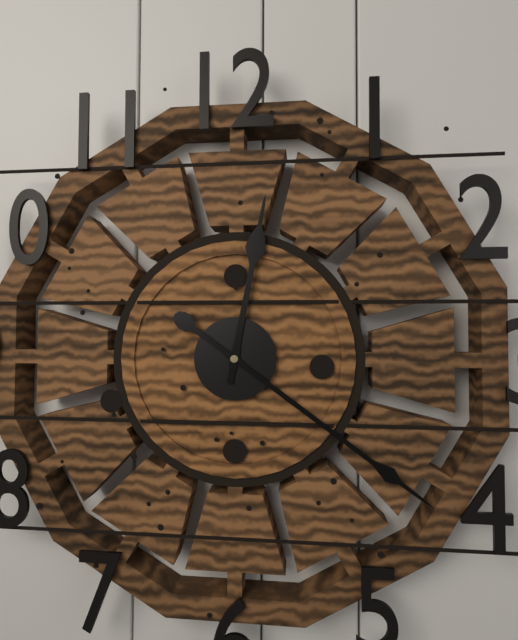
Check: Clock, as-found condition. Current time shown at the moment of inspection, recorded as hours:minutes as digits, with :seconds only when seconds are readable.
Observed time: 12:21
